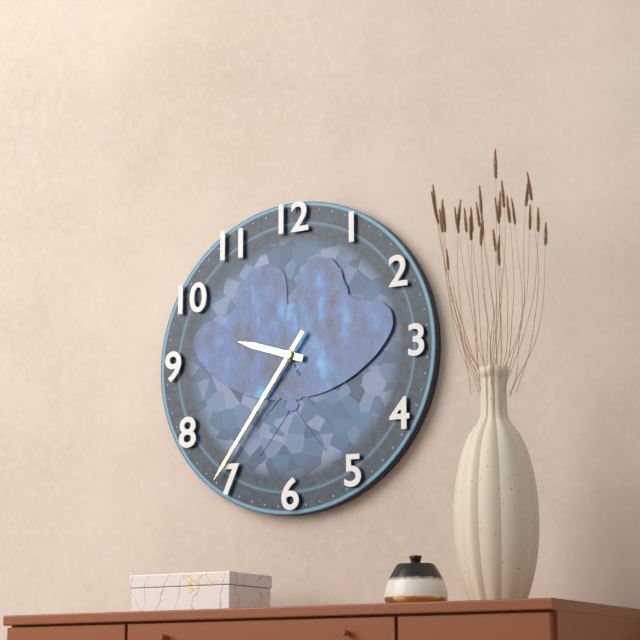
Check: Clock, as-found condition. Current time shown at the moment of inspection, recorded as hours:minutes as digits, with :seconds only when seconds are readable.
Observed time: 9:36
